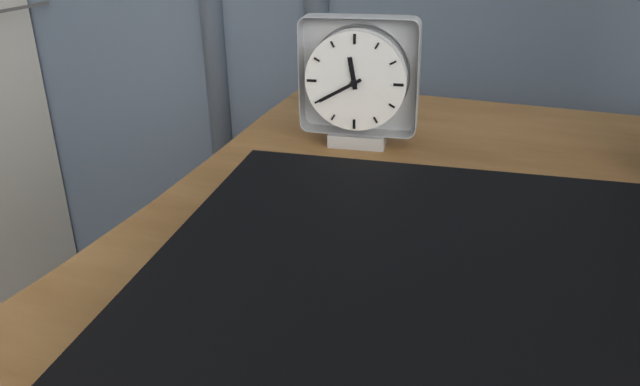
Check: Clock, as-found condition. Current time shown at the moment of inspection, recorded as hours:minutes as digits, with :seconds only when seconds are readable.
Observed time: 11:40
